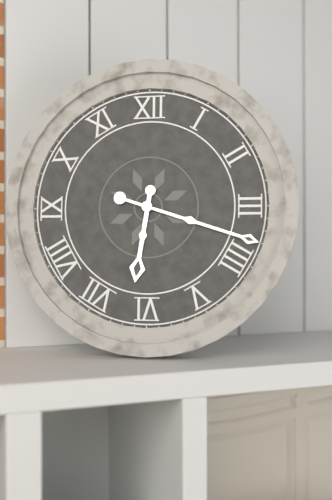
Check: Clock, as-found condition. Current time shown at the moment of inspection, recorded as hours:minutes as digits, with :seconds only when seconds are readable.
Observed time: 6:18
